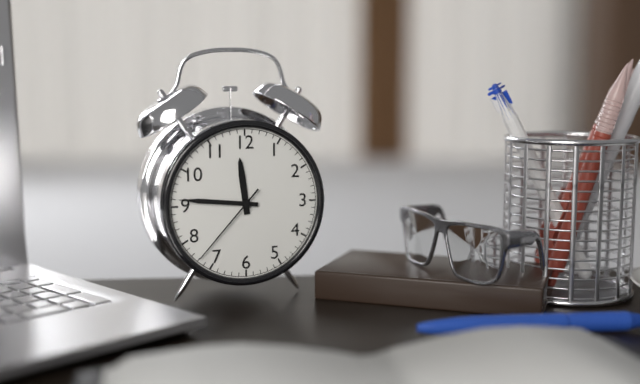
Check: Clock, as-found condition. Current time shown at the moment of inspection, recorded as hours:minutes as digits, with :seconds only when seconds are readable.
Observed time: 11:46:37
